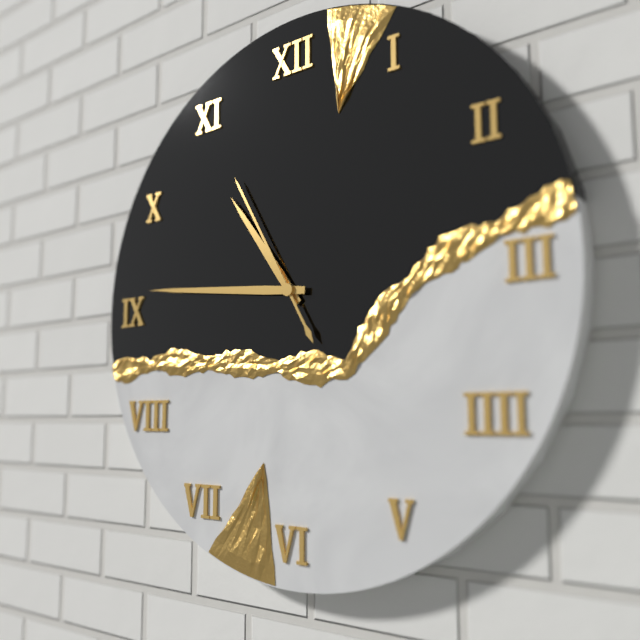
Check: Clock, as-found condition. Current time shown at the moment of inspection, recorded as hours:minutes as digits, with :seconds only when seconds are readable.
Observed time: 10:46:55
